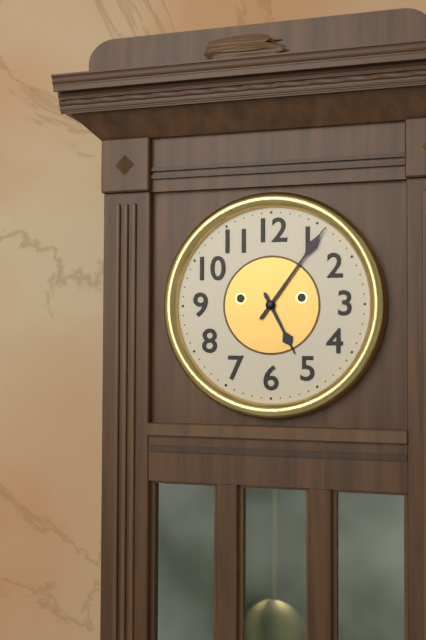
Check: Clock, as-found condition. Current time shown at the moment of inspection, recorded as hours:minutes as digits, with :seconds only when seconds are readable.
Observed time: 5:06
